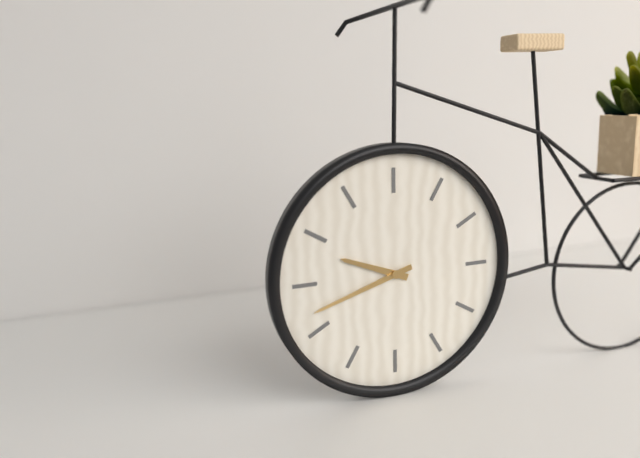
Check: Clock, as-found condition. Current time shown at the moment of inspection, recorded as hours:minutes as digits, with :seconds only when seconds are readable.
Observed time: 9:42
